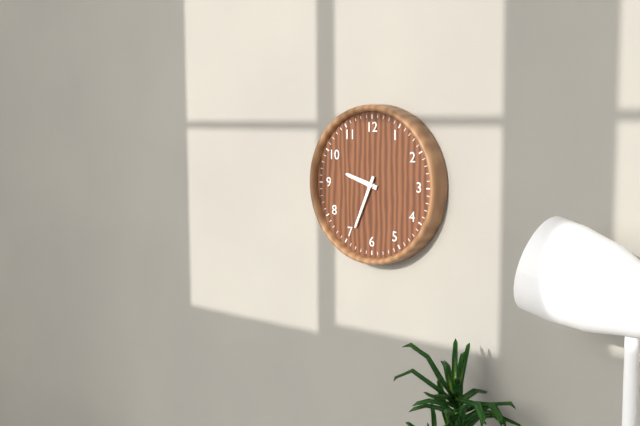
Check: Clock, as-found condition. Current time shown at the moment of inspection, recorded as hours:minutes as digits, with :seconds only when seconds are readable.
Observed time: 9:34
